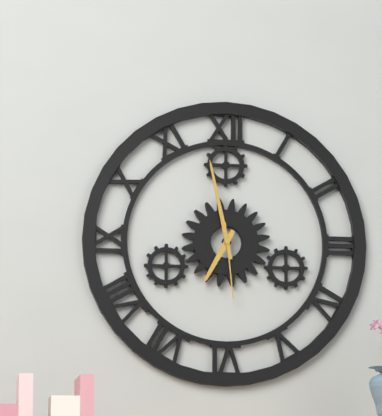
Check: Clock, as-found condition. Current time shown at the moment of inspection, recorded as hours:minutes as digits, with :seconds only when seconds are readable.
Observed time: 6:58:29
